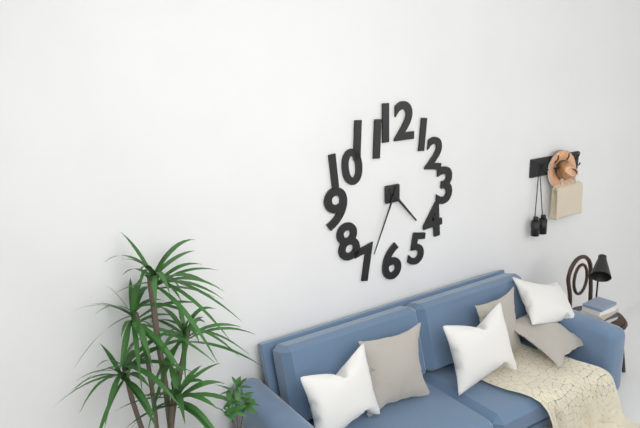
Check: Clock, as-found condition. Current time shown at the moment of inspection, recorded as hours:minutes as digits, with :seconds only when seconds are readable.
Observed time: 4:34
